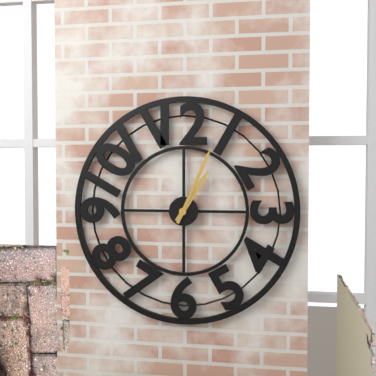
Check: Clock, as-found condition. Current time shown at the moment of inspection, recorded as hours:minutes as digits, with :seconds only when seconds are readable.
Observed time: 1:04
